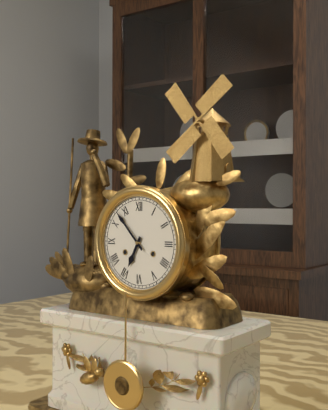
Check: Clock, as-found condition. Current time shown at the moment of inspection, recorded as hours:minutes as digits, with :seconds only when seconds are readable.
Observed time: 6:53
